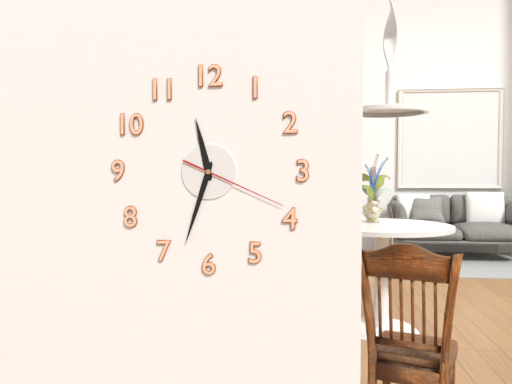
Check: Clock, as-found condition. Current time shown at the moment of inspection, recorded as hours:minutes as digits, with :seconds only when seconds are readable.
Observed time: 11:33:19
